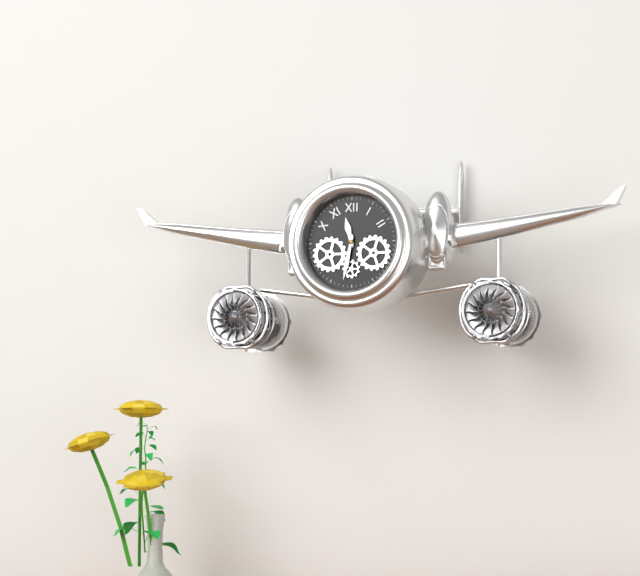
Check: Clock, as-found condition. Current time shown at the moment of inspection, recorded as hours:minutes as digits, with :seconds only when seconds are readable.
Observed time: 11:32
